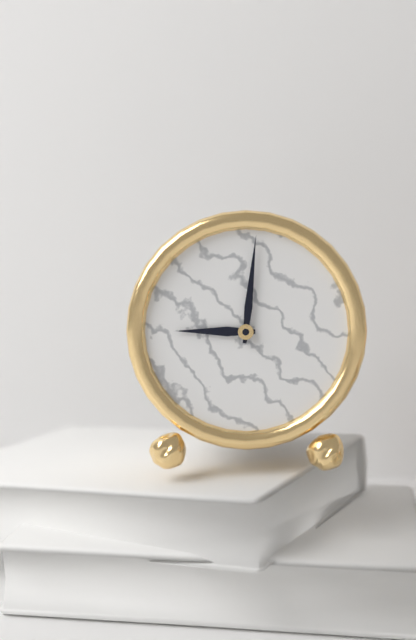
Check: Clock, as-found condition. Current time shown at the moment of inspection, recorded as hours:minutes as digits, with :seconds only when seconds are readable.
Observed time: 9:01
